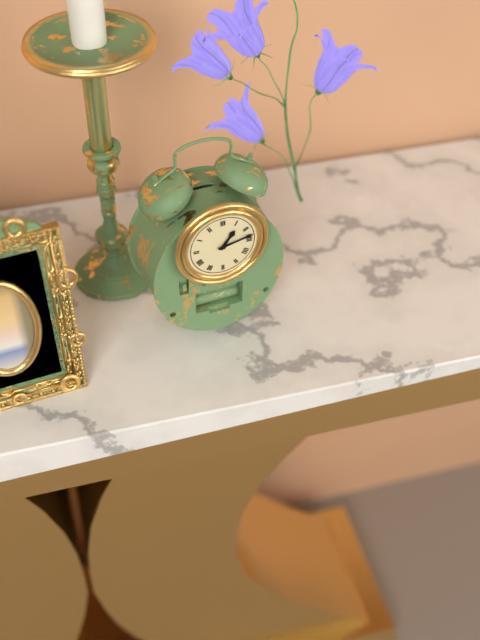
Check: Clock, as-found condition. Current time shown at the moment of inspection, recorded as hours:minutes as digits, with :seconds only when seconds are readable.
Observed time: 1:13
